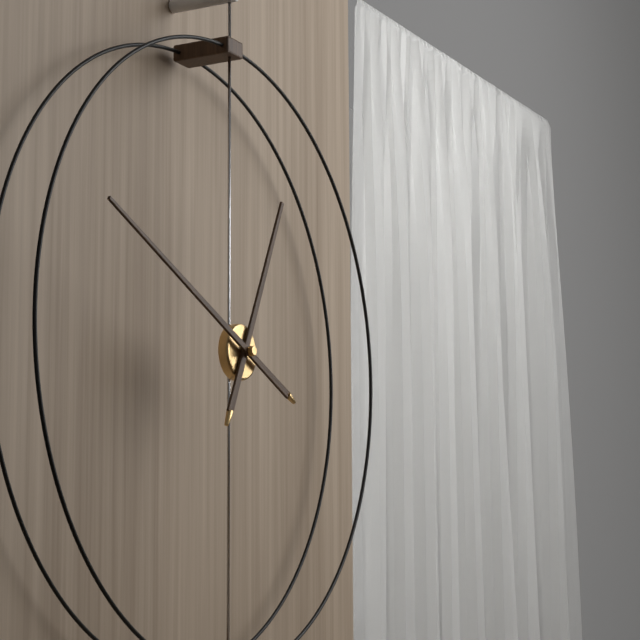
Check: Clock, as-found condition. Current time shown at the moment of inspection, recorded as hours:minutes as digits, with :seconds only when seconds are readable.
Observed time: 12:49
